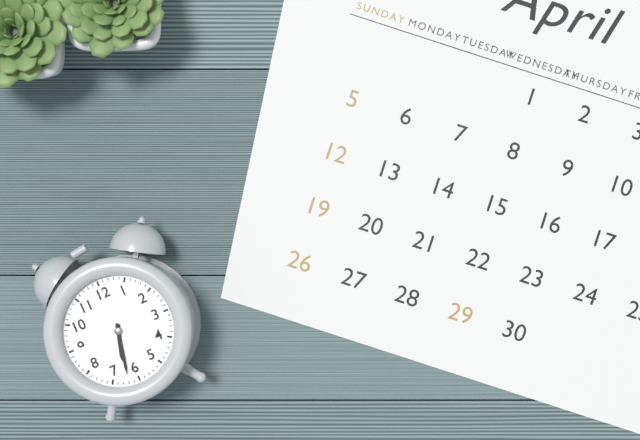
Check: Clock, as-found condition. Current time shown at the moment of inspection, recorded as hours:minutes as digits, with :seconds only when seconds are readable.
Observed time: 6:32
